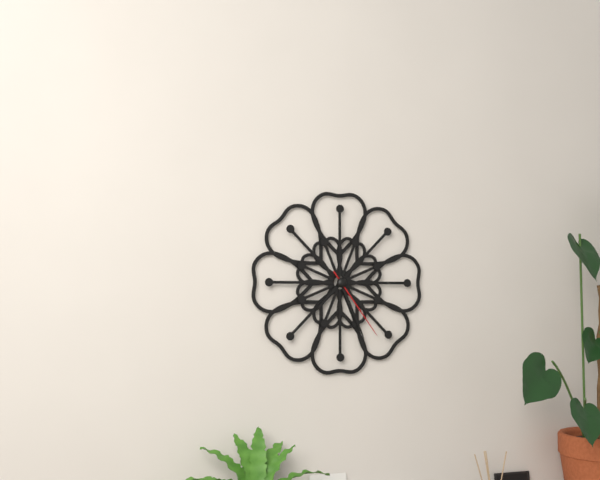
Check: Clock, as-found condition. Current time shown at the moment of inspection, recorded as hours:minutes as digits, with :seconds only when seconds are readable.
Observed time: 7:26:24
